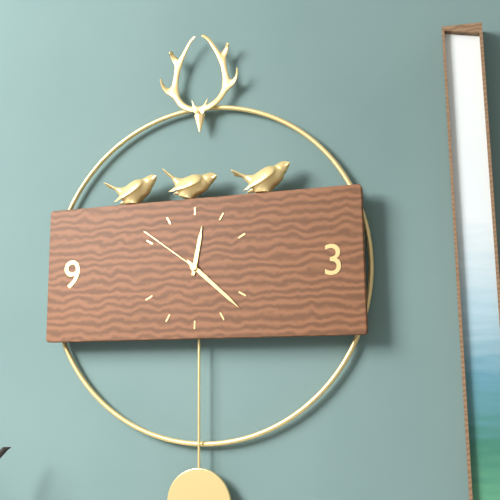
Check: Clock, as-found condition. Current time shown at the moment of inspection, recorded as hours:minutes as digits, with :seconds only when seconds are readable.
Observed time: 12:22:51
